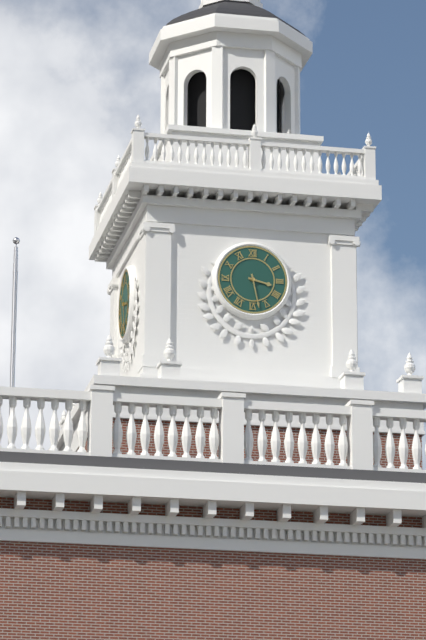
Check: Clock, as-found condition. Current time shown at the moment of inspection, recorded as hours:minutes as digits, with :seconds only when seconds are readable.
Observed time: 3:28
